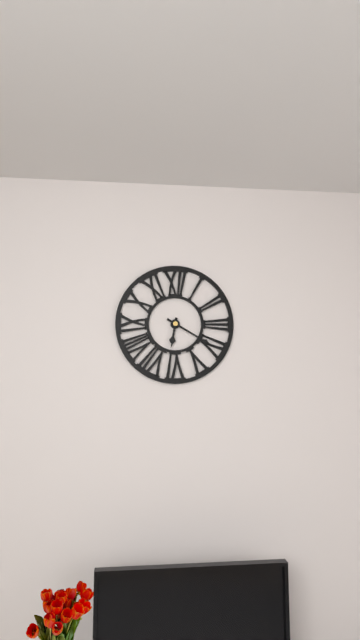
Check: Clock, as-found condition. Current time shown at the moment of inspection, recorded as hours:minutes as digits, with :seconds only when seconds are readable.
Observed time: 6:20
